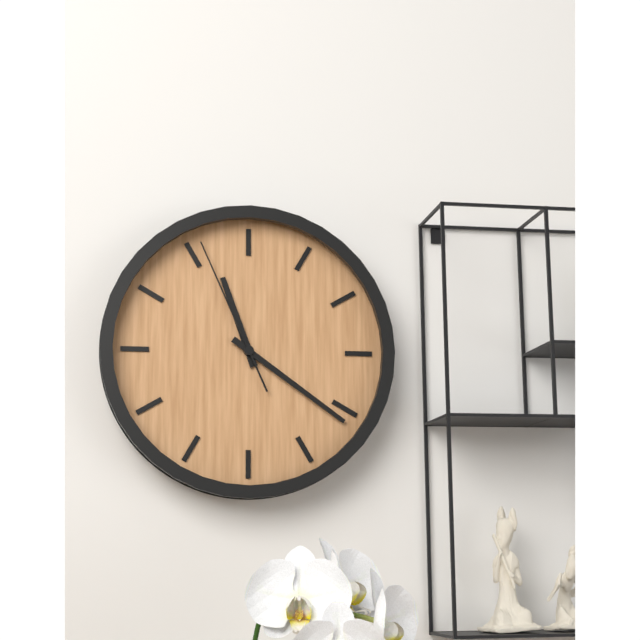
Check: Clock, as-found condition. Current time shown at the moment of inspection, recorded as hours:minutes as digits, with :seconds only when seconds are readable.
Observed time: 11:21:56
